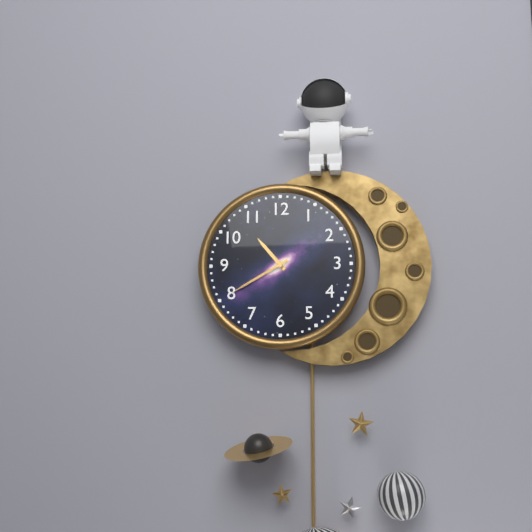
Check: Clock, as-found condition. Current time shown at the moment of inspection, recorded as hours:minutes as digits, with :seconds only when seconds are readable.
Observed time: 10:40
